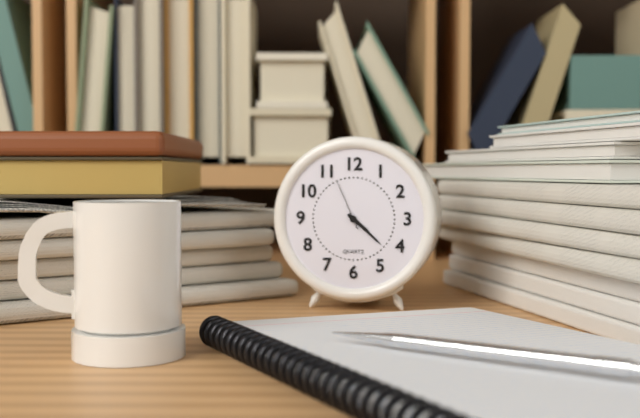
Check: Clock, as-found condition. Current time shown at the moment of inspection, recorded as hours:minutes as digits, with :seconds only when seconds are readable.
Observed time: 4:22:56
